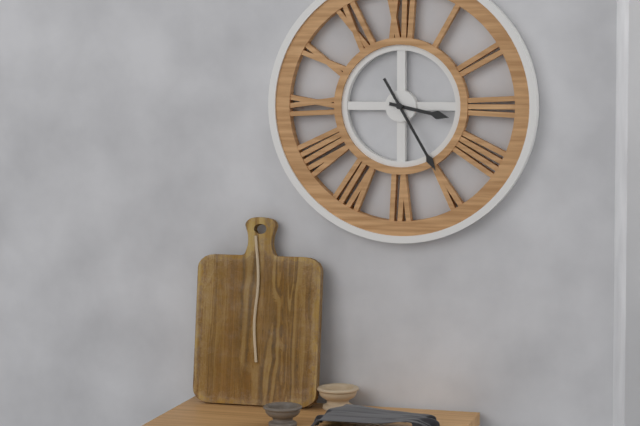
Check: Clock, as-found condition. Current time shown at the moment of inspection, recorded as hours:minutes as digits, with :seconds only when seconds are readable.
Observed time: 3:25
